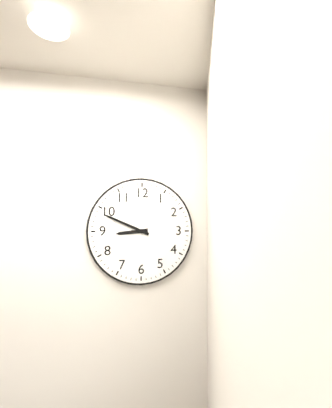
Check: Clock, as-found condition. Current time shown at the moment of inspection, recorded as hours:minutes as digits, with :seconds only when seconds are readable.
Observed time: 8:49
